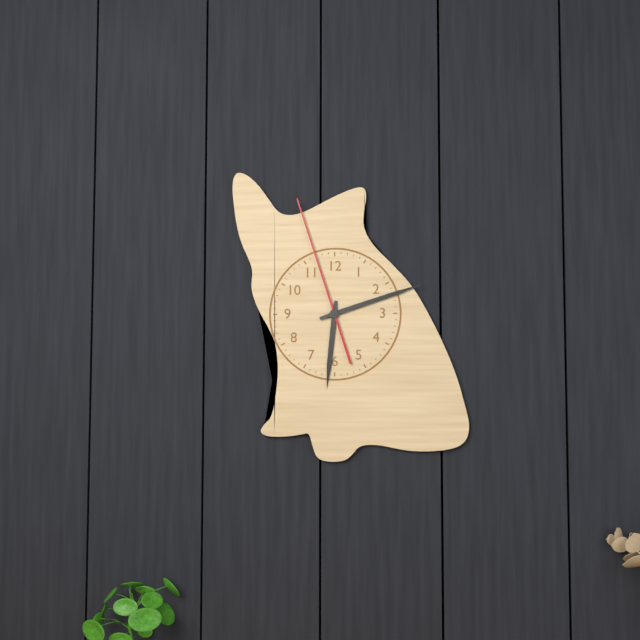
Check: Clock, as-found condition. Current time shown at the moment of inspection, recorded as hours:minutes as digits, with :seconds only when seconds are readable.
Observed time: 6:12:57
